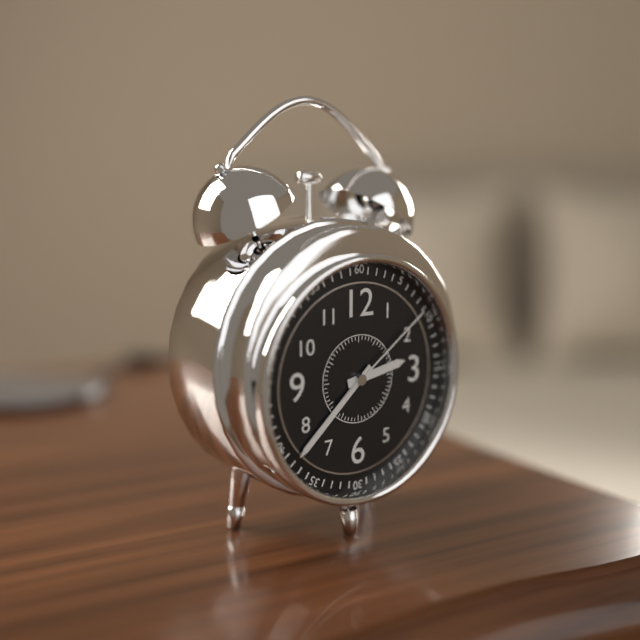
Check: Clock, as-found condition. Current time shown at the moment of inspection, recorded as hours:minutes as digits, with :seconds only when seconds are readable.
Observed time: 2:38:09
